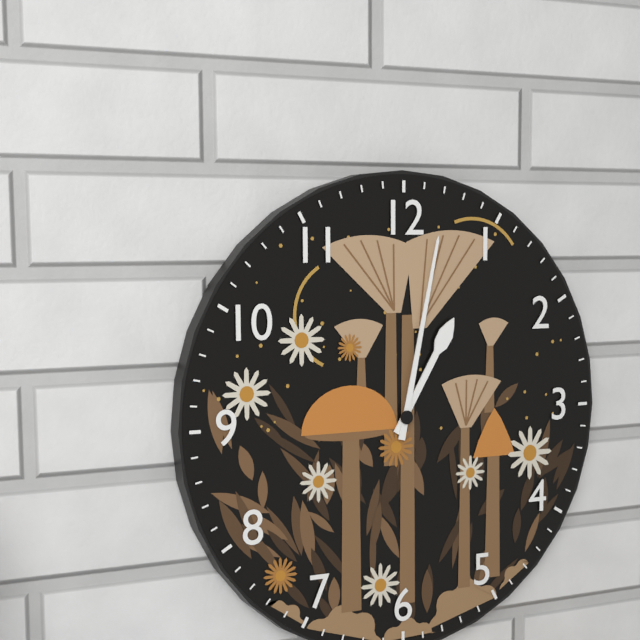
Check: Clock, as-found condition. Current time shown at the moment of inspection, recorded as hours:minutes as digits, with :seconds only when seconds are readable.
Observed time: 1:02
